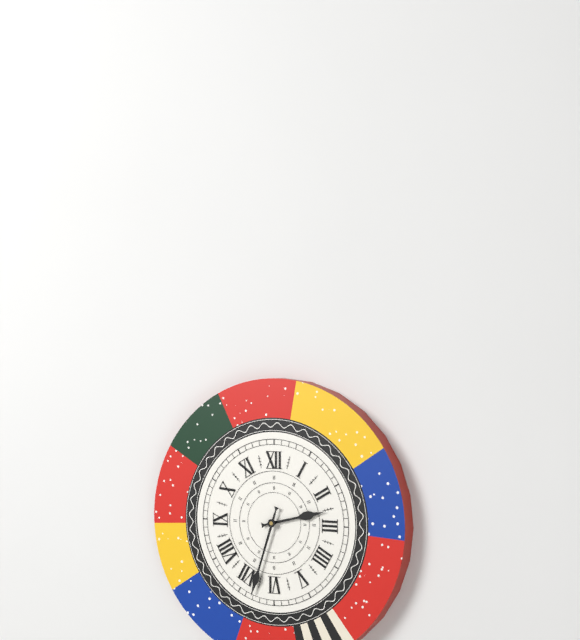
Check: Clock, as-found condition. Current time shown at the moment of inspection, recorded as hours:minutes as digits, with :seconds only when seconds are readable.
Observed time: 2:33
